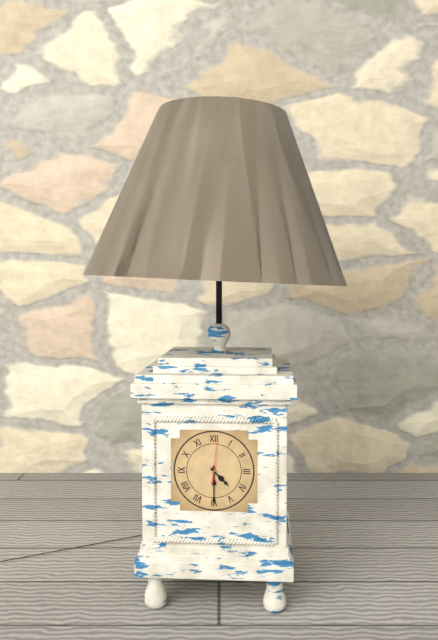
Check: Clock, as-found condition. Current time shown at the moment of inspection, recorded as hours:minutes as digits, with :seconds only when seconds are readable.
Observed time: 4:30
